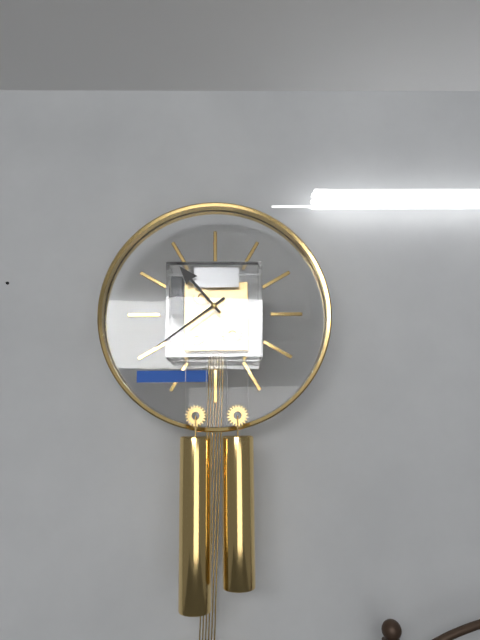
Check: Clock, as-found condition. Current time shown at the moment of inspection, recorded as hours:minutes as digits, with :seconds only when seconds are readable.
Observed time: 10:39
